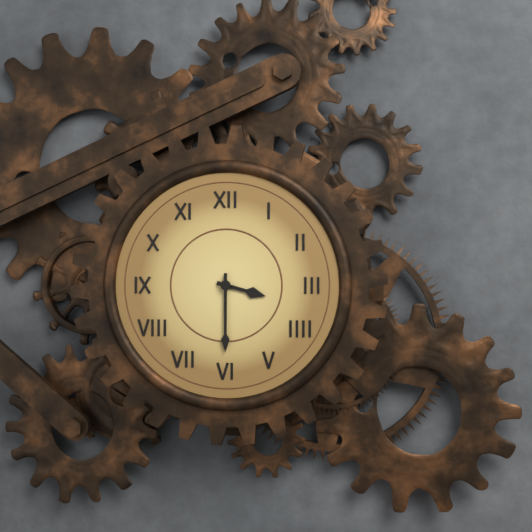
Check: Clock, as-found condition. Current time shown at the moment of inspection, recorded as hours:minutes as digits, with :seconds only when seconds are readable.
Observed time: 3:30
